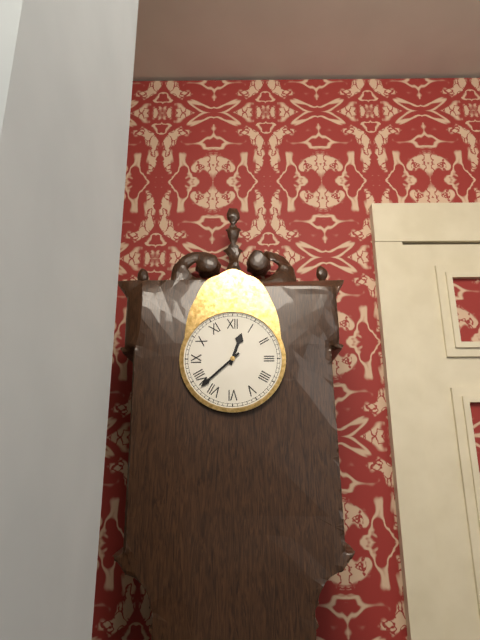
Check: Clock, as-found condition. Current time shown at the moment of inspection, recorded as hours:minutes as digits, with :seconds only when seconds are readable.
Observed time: 12:38
